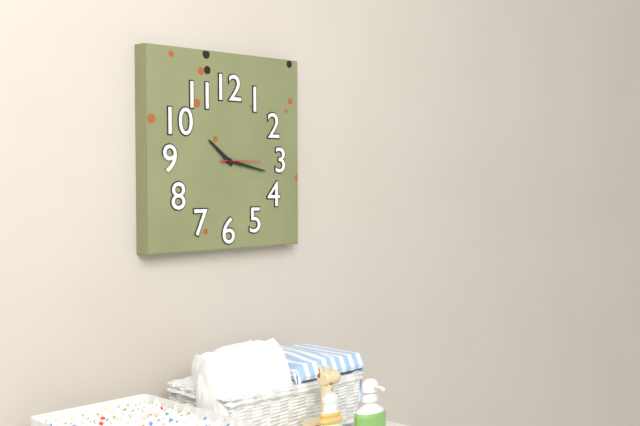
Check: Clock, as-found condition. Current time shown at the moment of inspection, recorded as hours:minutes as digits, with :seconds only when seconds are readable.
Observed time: 10:17
